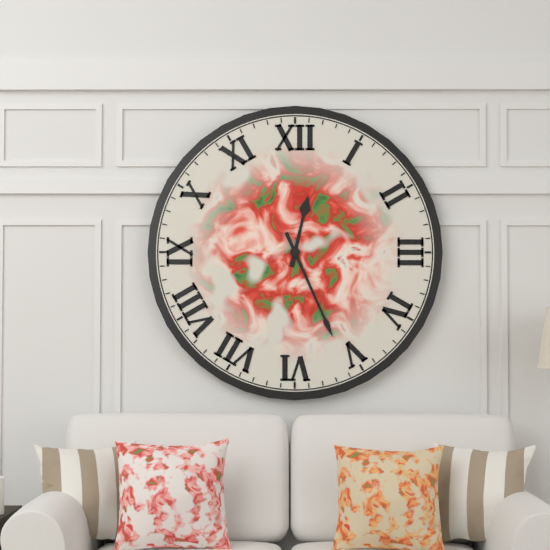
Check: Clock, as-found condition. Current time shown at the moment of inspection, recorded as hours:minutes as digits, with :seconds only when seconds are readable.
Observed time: 12:26
